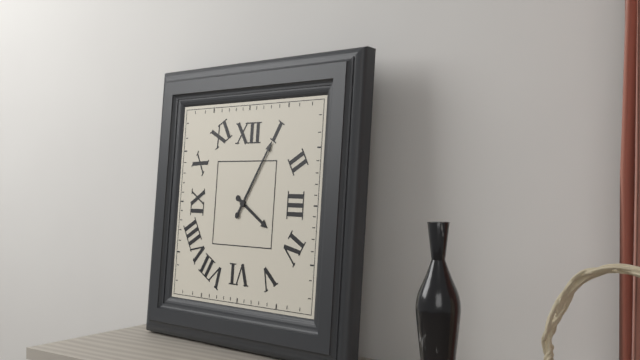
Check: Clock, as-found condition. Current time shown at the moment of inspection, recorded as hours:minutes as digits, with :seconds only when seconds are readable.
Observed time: 4:05
